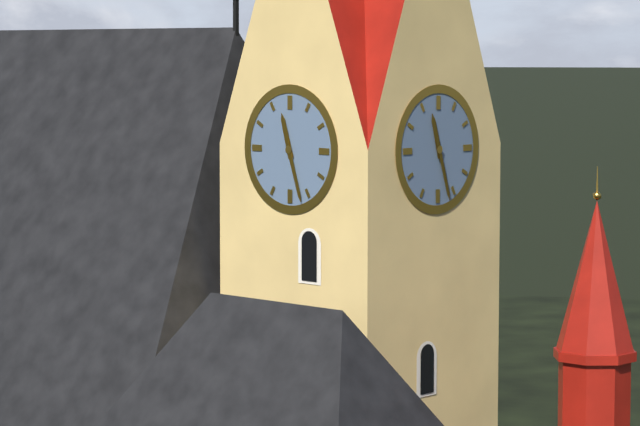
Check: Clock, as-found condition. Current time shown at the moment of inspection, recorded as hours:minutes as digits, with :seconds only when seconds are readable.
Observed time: 11:27
